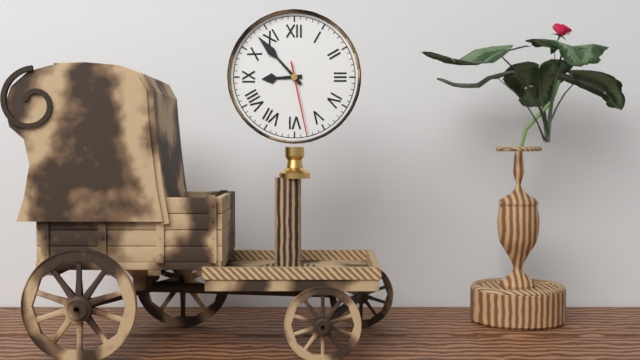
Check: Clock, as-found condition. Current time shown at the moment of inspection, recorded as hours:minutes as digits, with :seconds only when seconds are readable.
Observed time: 8:53:28
